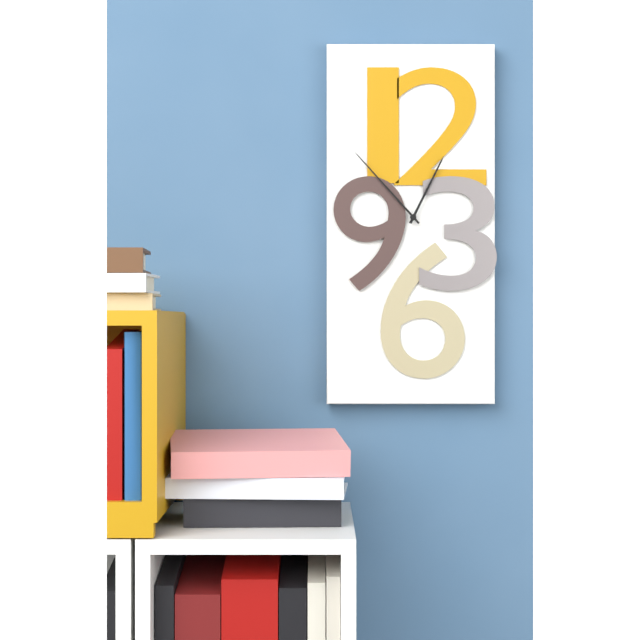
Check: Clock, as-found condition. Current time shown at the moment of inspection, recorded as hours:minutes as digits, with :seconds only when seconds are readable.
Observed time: 12:53
